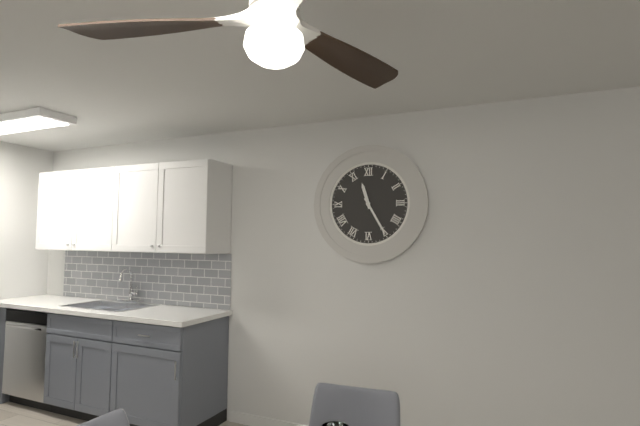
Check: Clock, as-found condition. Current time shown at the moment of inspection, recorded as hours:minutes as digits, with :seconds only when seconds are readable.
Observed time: 11:25
